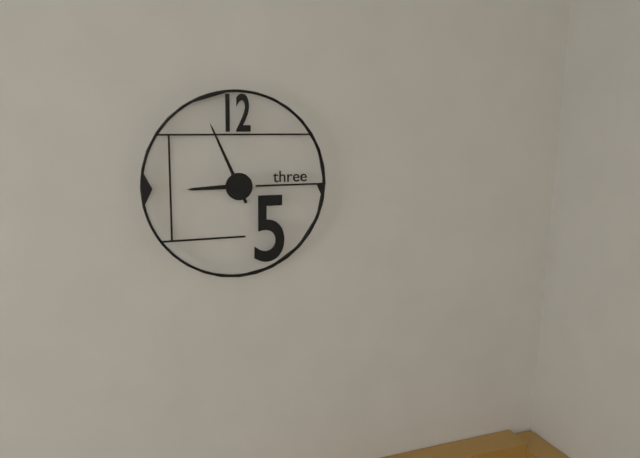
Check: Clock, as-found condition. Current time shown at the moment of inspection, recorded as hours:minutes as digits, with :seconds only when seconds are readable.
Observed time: 8:56
